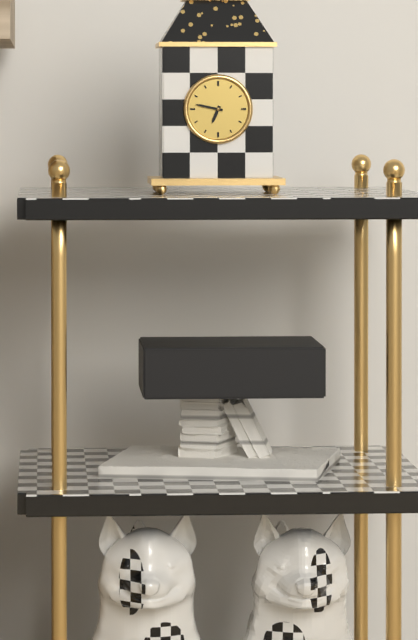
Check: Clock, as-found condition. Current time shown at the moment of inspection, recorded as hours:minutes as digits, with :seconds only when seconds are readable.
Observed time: 6:47
